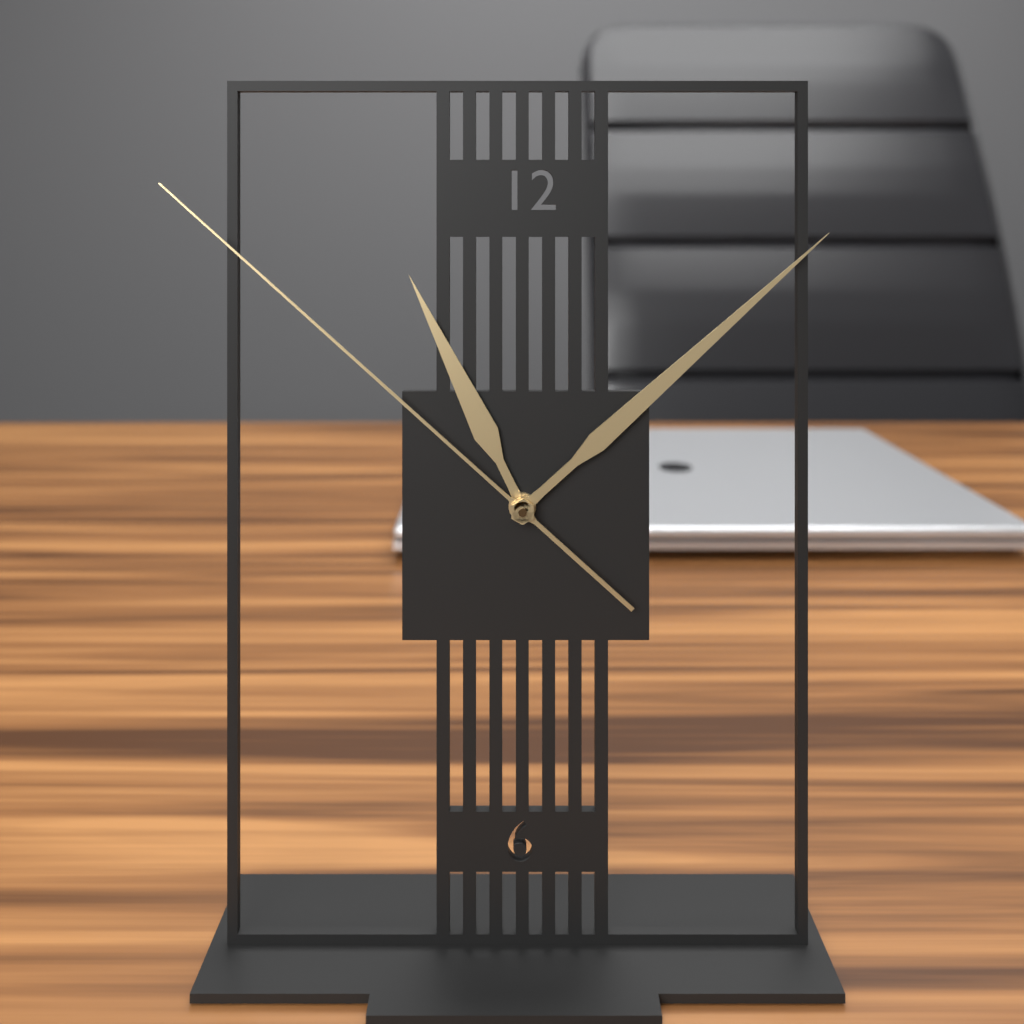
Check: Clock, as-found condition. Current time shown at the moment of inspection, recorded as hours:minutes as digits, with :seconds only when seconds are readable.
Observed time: 11:08:52
